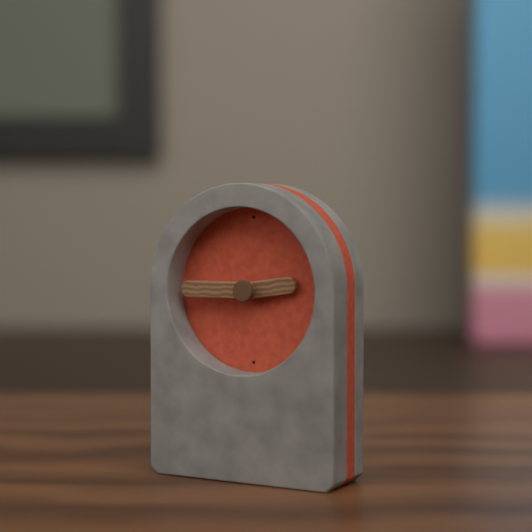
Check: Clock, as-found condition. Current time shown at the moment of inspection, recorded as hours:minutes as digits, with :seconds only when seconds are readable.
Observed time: 2:45
